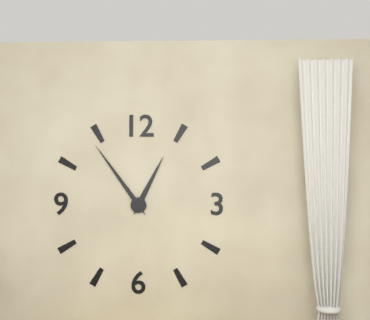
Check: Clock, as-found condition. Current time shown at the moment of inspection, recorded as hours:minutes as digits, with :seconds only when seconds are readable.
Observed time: 12:54
